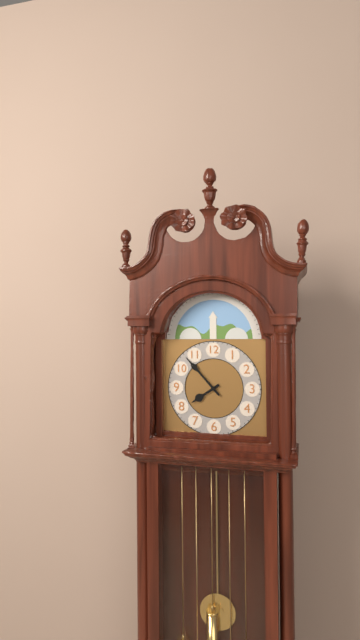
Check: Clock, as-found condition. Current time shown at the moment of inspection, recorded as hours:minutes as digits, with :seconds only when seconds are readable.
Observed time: 7:53
